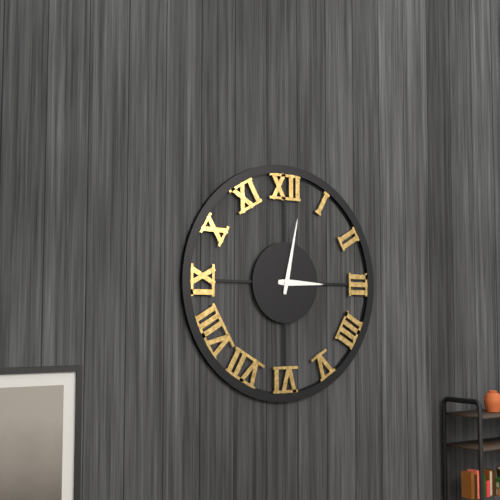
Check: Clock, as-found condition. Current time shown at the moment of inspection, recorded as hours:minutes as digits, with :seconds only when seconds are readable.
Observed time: 3:02
